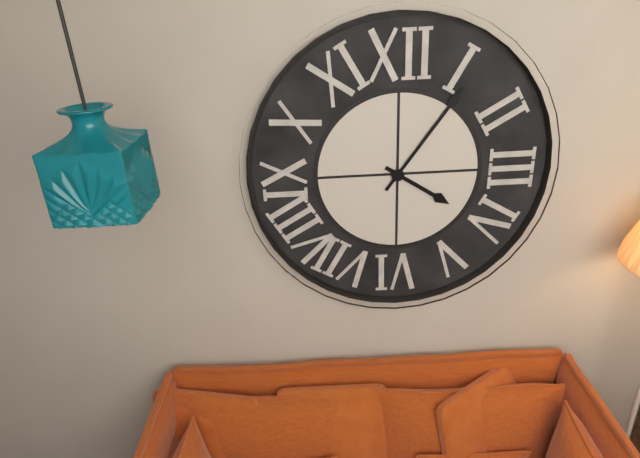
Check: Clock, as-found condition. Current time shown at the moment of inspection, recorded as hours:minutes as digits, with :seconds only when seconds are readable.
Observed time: 4:06
